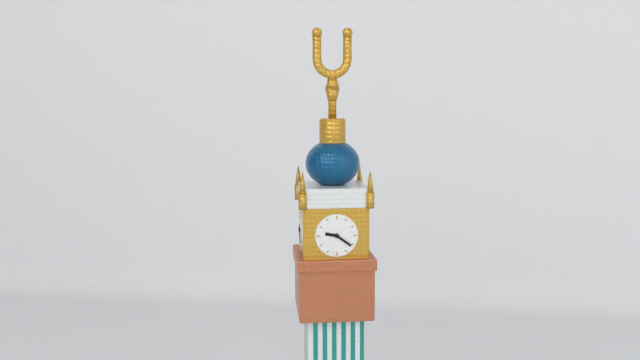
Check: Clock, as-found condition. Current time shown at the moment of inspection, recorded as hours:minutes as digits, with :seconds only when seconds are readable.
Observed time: 9:21
